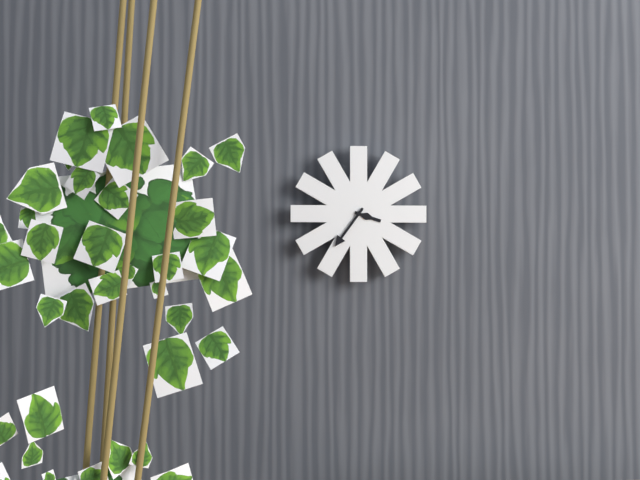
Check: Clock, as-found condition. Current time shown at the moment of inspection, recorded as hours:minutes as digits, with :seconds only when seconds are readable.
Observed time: 3:36
